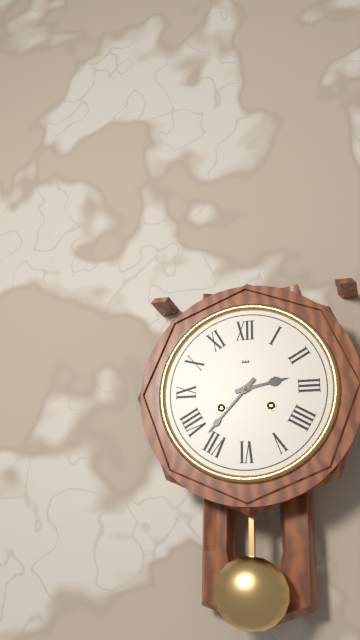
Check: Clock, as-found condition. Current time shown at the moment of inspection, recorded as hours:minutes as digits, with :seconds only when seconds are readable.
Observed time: 2:37
